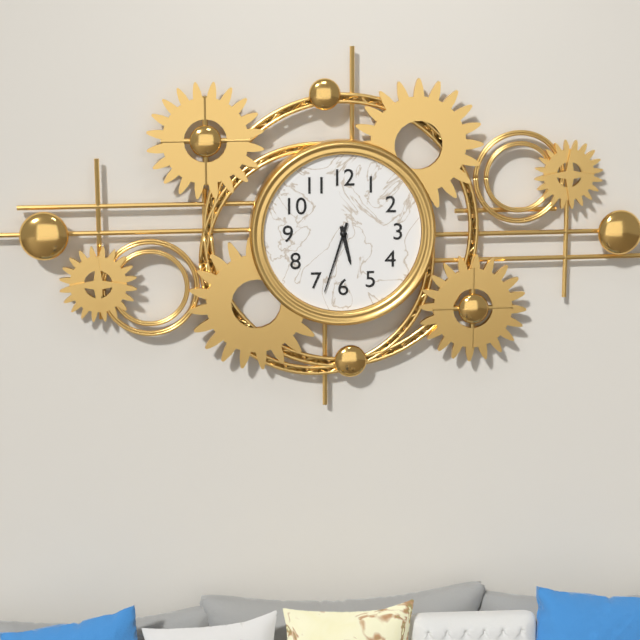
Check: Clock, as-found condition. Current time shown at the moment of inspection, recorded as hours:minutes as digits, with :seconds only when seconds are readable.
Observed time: 5:33
